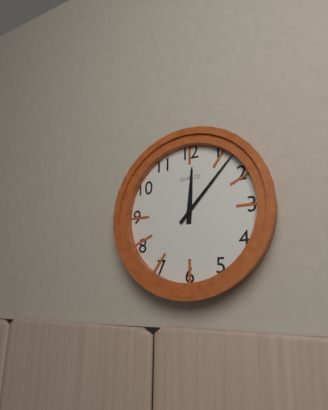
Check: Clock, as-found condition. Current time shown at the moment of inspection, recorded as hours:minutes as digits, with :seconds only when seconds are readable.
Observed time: 12:07
